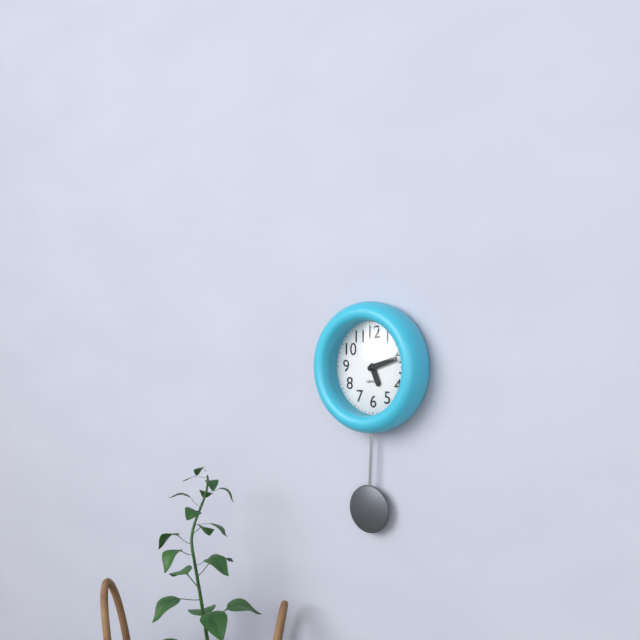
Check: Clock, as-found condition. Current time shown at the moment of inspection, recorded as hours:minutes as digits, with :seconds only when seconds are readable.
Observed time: 5:12
